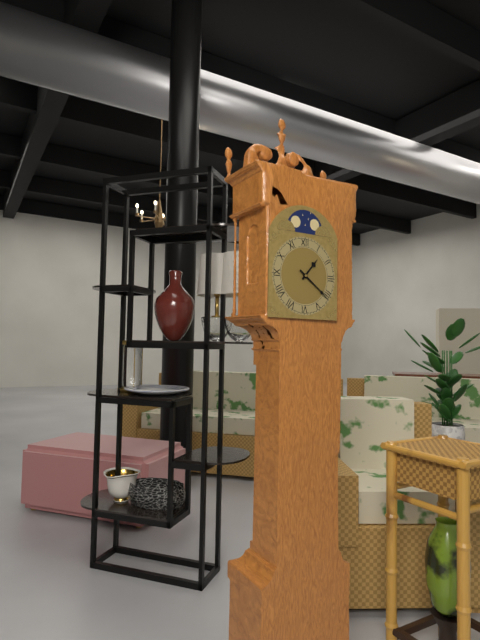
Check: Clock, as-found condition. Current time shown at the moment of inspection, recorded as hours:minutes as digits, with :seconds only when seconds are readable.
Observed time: 1:21
